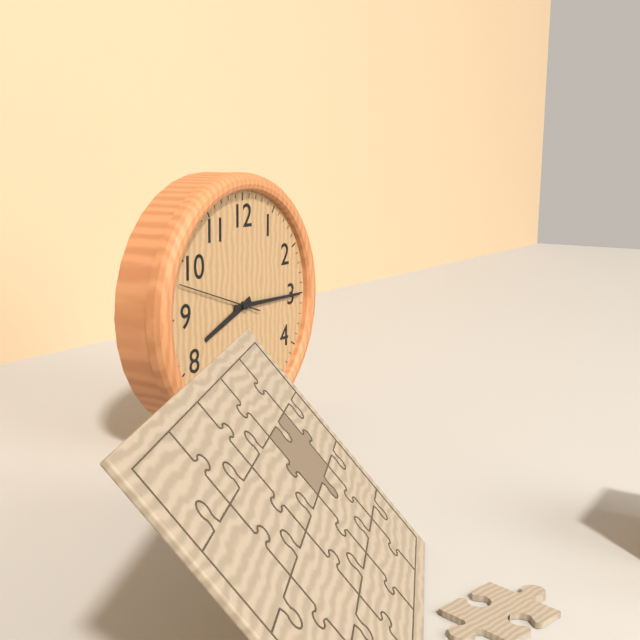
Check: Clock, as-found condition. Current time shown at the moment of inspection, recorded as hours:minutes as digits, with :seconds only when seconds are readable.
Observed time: 8:15:48
